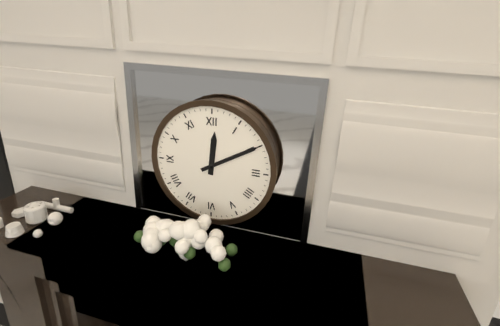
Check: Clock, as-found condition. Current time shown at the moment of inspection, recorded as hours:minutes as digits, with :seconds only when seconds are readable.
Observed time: 12:10
